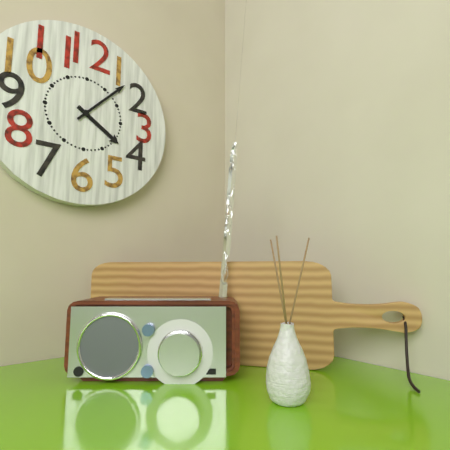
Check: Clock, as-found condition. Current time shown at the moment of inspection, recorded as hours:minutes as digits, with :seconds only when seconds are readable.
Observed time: 4:07
